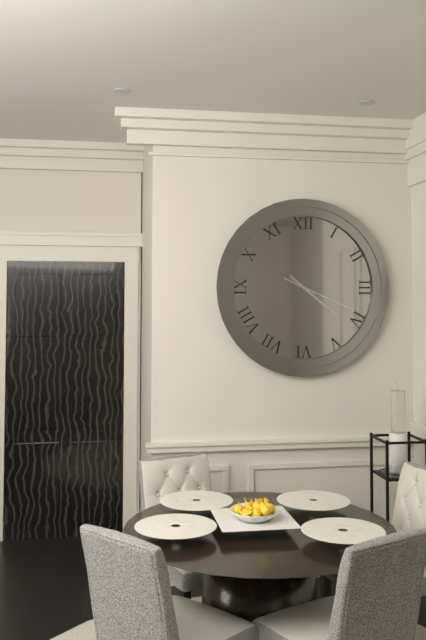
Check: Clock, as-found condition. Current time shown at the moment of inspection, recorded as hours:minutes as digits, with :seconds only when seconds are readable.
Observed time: 4:19
